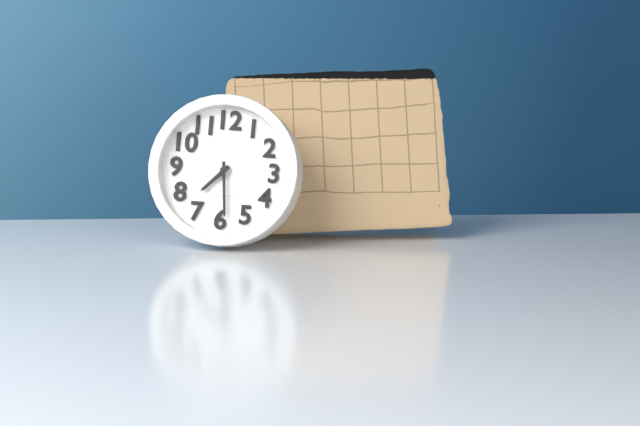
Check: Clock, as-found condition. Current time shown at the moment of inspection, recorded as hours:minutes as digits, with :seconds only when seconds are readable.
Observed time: 7:29
